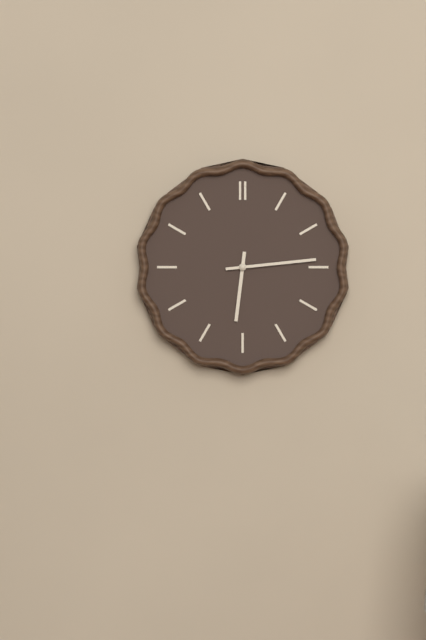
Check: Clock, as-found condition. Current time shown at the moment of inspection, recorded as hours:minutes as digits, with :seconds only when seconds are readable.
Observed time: 6:14
